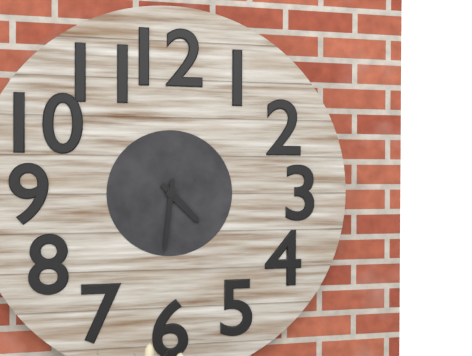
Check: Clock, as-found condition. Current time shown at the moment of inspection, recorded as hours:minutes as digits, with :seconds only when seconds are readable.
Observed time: 4:31
